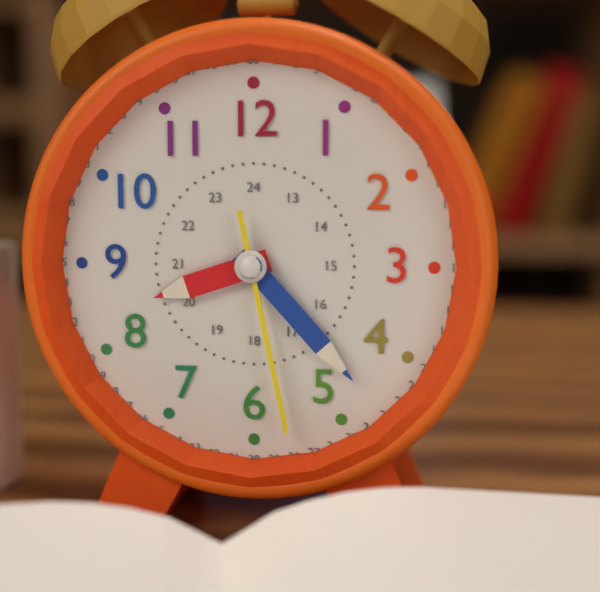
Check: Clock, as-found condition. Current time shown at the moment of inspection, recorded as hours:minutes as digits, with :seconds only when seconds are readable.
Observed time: 8:23:28
